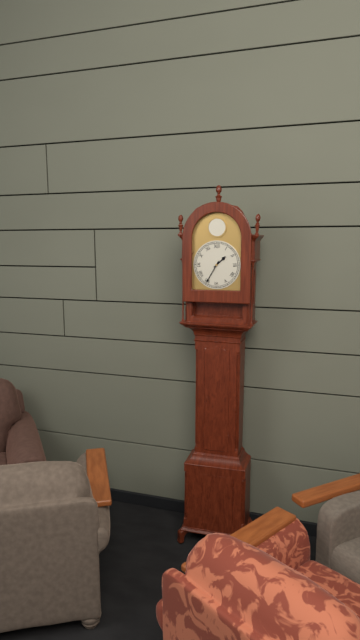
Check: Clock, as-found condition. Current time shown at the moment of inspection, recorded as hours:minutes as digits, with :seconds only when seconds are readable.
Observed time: 1:35
